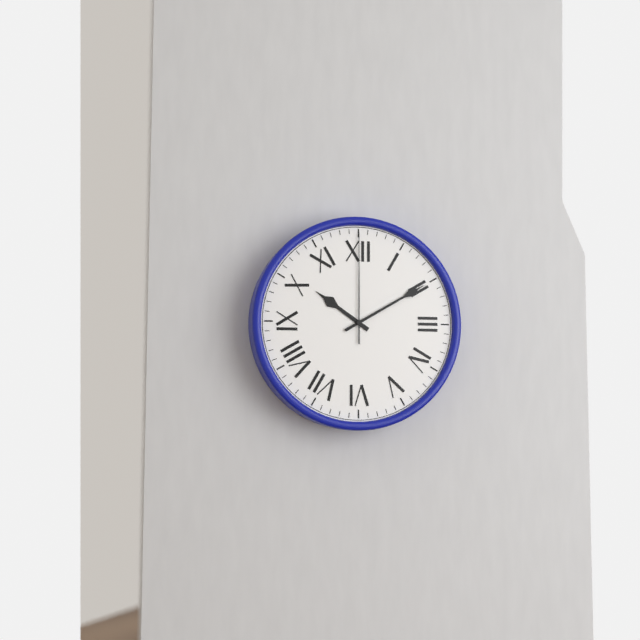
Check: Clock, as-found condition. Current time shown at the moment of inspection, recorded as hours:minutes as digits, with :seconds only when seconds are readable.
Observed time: 10:10:00
